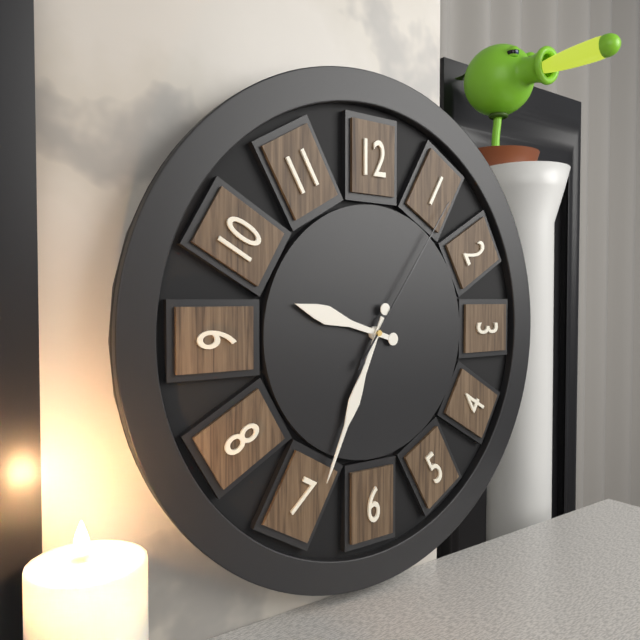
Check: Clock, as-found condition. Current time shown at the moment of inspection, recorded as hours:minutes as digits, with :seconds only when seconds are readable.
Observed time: 9:34:06
